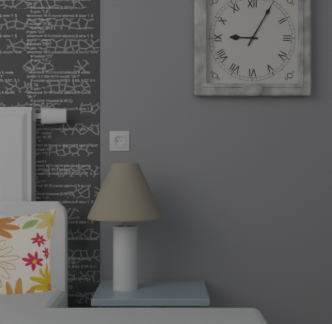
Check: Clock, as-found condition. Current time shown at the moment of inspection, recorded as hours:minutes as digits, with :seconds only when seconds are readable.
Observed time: 9:05
